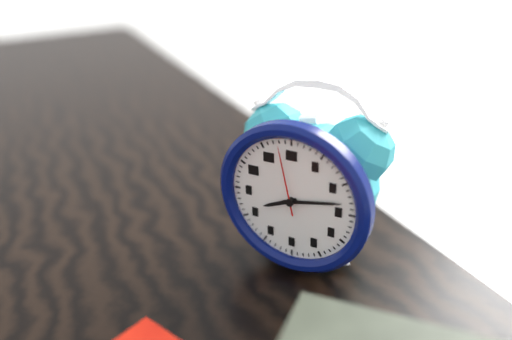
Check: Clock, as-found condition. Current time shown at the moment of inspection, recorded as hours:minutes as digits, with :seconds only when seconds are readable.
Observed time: 8:13:58
